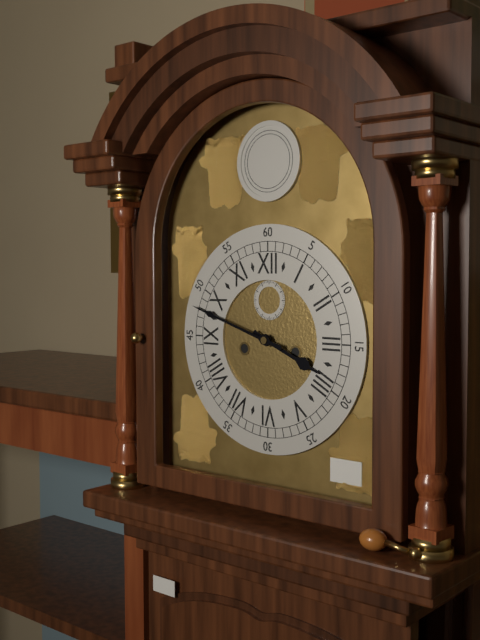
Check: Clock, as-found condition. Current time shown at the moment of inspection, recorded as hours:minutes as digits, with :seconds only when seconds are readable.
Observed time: 3:48
